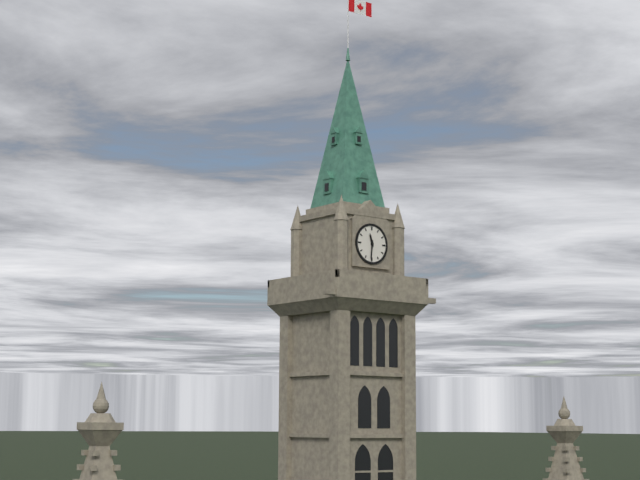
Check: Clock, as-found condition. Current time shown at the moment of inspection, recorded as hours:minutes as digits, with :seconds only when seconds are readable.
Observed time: 11:31
